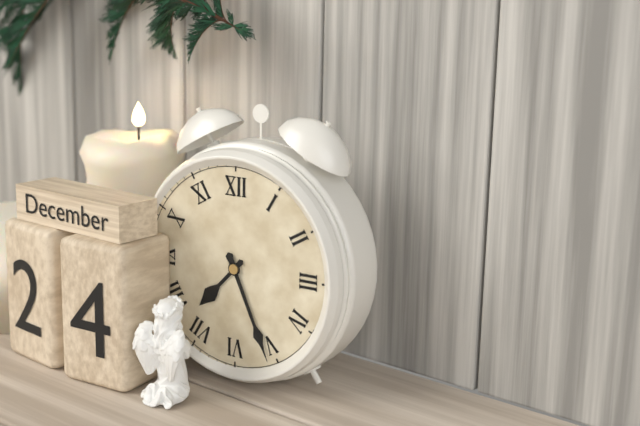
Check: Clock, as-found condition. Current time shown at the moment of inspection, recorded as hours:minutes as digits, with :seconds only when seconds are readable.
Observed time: 7:26
